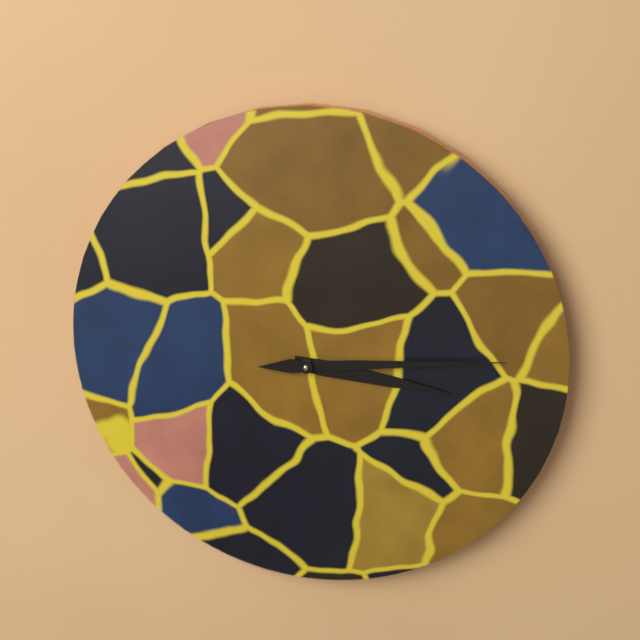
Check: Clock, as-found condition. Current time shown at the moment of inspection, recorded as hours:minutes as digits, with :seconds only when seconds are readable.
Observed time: 3:14
